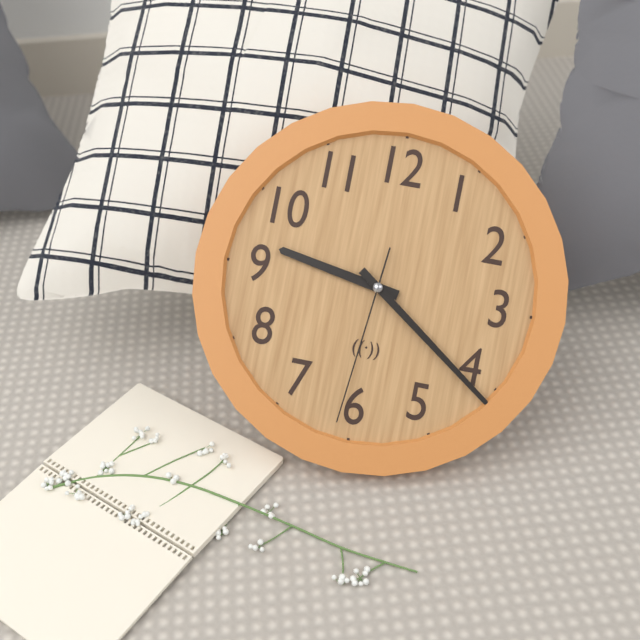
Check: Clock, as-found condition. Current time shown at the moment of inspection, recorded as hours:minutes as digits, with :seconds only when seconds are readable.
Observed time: 9:21:31
